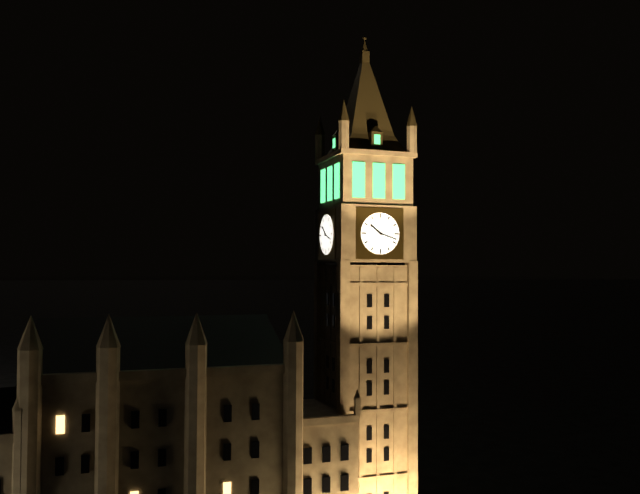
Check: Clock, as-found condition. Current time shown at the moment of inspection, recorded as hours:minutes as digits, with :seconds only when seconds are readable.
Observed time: 10:18
